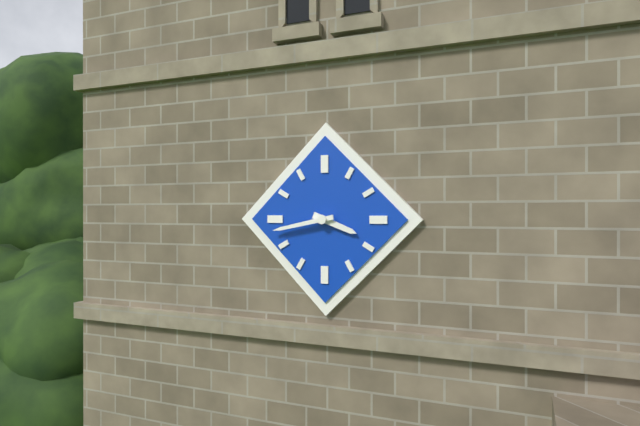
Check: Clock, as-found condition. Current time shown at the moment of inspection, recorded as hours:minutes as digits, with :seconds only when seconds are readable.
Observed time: 3:43
